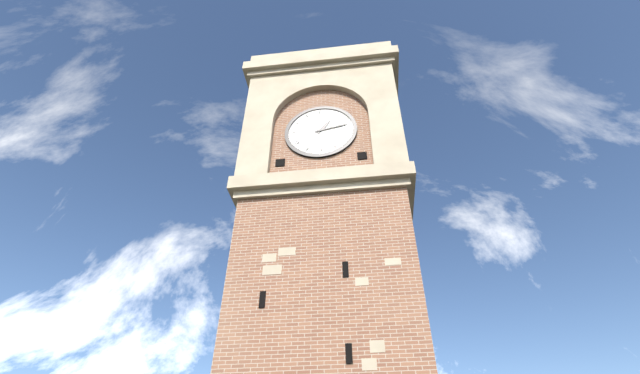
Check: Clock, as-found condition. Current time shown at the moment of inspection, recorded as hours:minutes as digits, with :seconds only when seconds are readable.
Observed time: 1:13
